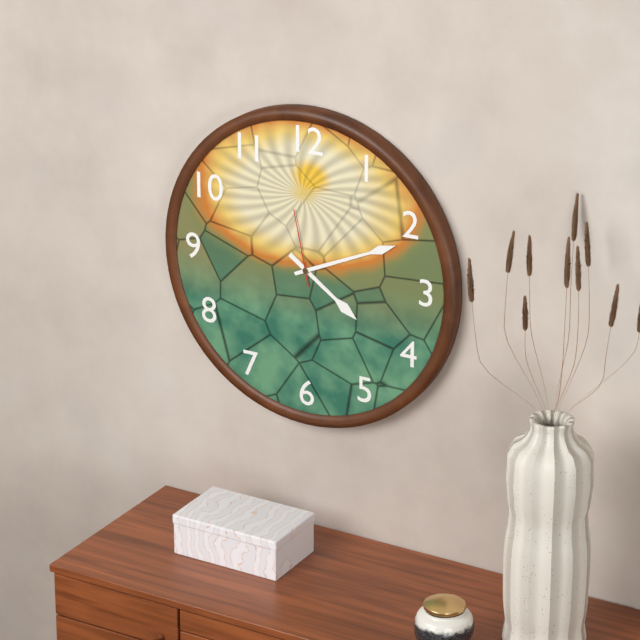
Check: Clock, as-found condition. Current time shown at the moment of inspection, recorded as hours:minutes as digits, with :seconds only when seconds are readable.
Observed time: 4:11:58
